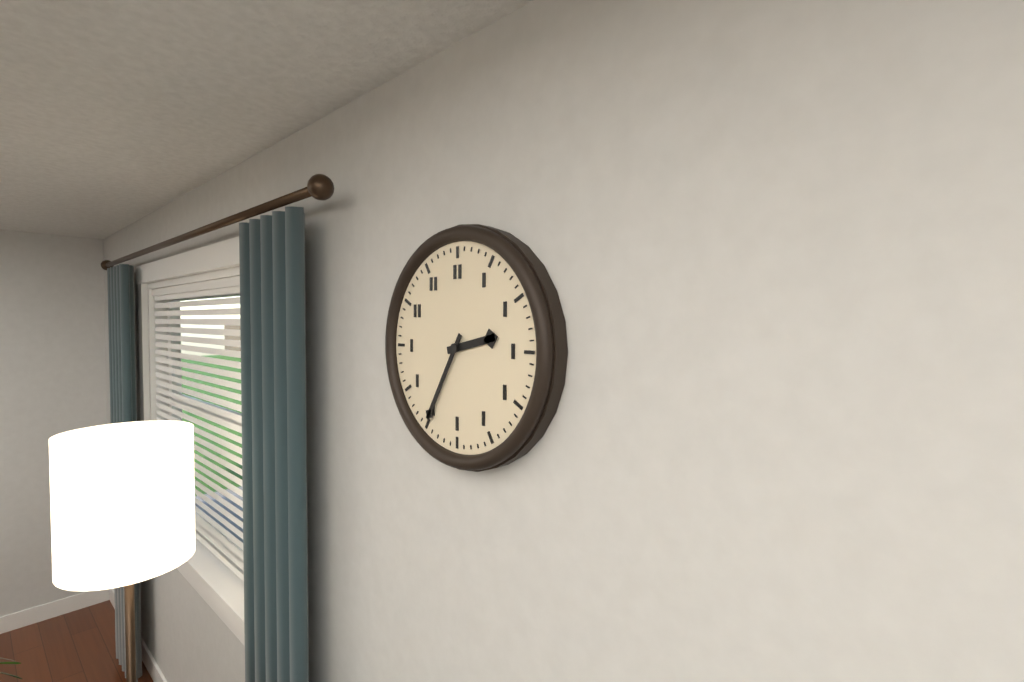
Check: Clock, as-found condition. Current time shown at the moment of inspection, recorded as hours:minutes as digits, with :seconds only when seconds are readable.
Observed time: 2:35
